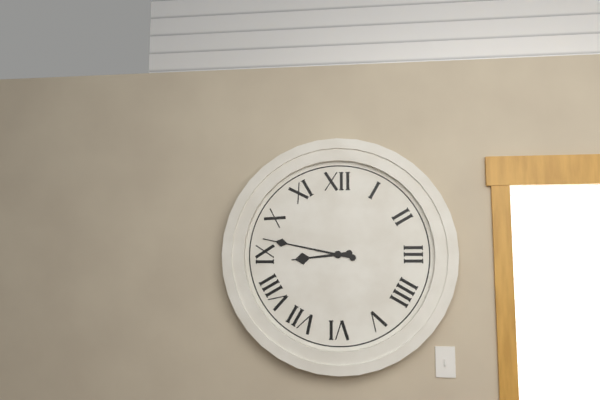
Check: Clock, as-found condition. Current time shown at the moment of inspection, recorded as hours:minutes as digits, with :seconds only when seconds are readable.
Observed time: 8:47
